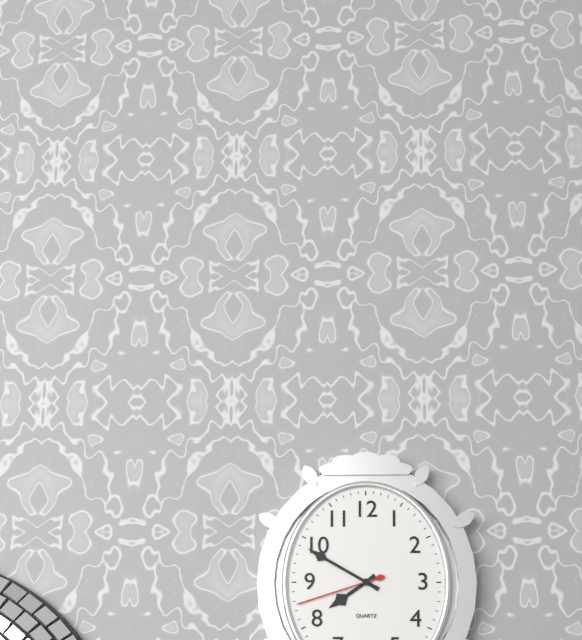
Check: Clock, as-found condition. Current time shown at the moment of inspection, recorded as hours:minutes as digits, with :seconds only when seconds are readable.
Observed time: 7:50:42
